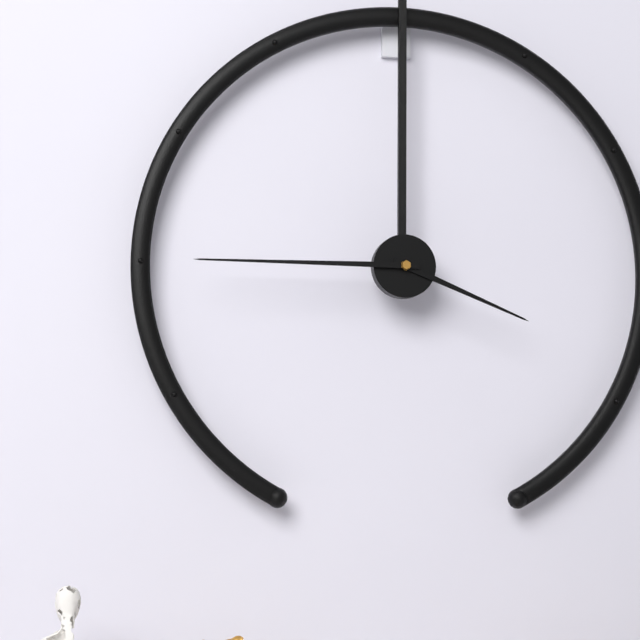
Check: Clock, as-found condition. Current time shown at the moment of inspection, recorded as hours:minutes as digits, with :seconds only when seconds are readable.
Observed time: 3:45
